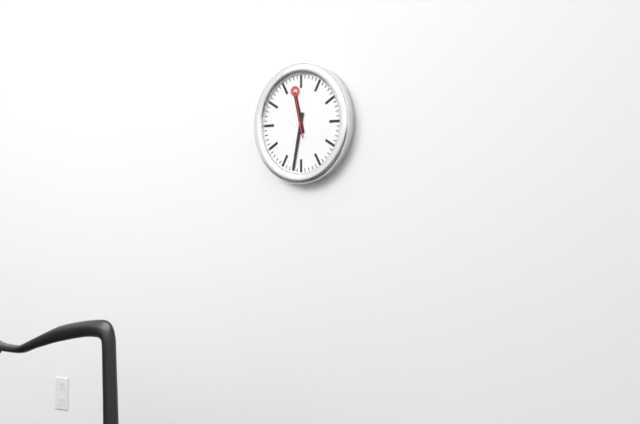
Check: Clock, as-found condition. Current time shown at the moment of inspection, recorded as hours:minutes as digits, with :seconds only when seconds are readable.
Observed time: 11:32:58
